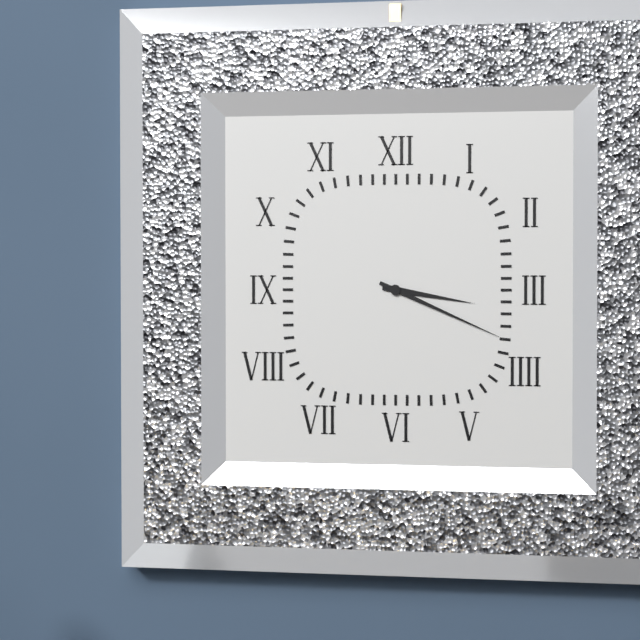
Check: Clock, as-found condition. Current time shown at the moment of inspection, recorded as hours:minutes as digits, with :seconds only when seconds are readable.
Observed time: 3:19
